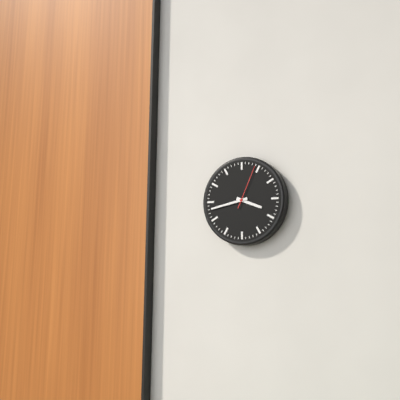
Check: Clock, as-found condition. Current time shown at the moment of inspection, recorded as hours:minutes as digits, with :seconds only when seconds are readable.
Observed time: 3:43
